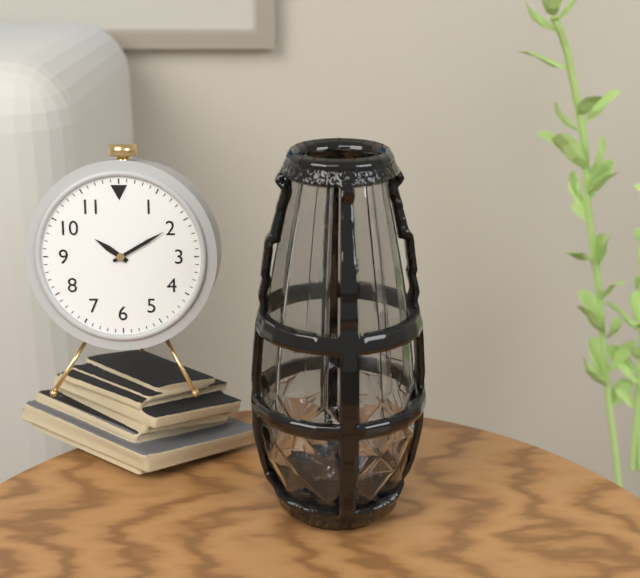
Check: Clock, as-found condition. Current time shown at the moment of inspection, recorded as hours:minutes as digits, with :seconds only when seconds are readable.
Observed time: 10:10
